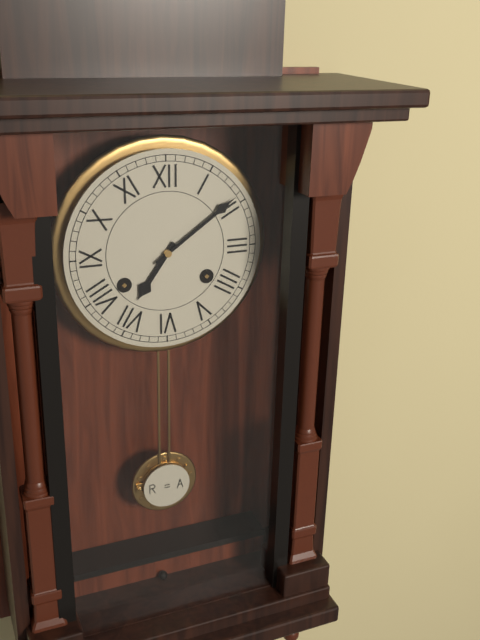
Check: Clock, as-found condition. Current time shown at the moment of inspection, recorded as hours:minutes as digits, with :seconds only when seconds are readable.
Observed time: 7:09
